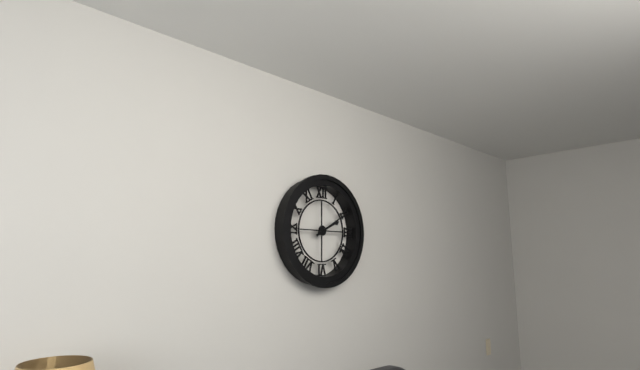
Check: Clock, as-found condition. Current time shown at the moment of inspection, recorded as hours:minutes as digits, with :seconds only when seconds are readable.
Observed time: 2:10
